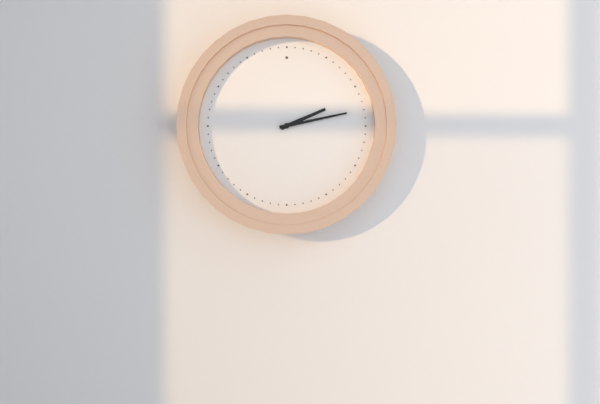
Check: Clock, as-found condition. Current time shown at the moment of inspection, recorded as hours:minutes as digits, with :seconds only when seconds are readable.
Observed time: 2:13
